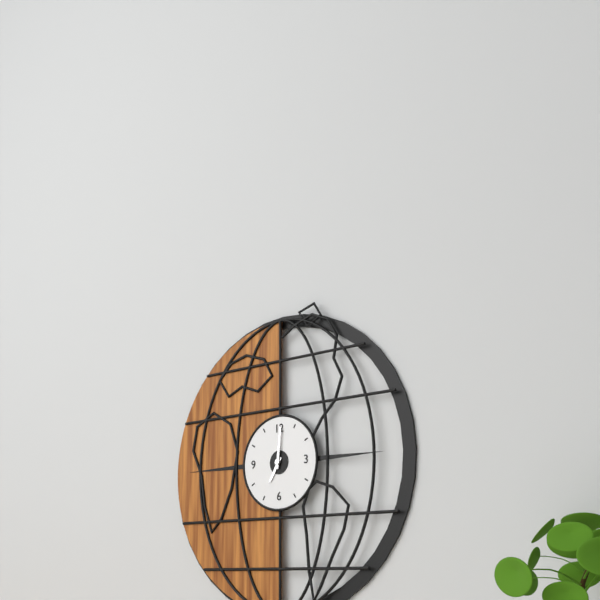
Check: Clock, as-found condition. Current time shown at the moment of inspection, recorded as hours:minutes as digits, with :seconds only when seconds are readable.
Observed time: 7:01
